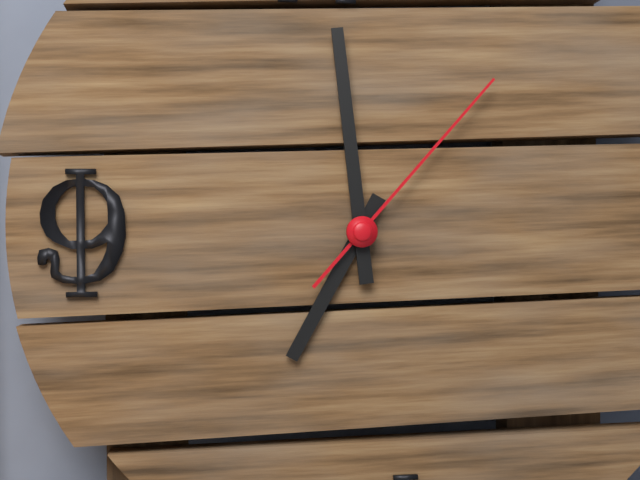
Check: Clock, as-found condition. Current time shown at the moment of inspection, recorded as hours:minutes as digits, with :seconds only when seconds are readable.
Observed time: 6:59:07
